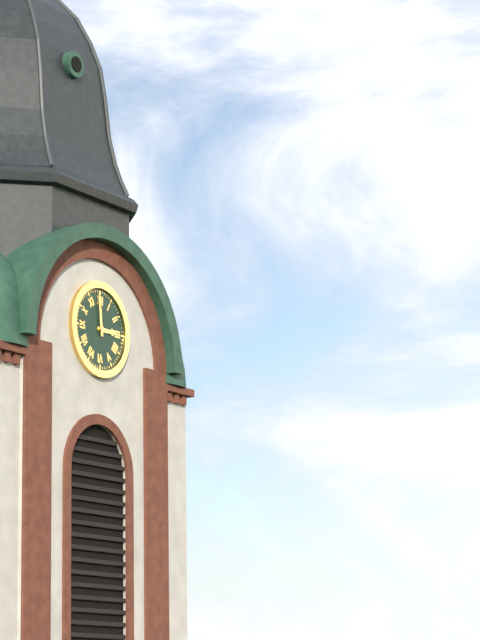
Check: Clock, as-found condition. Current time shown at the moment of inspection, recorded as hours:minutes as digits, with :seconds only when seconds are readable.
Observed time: 2:59
